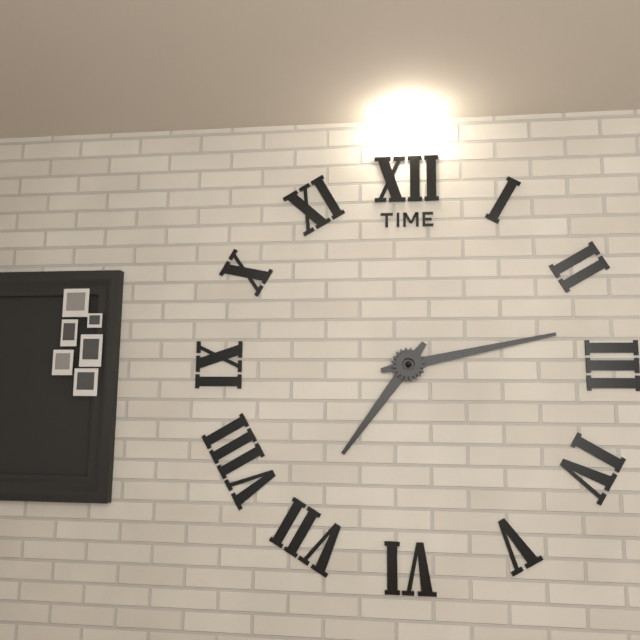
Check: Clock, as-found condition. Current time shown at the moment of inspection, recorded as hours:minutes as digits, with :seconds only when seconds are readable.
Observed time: 7:13
